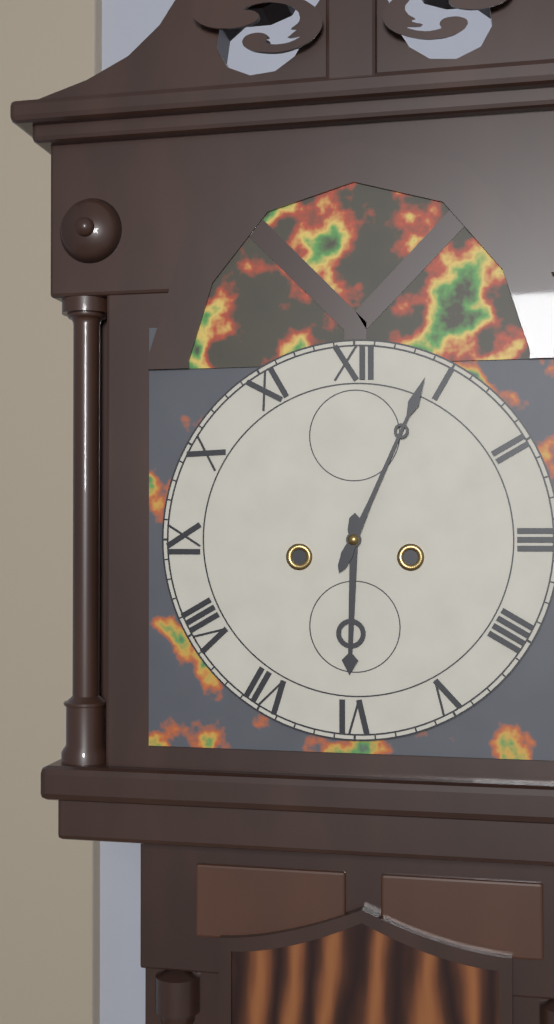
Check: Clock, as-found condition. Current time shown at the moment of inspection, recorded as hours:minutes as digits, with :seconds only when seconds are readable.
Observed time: 6:04
